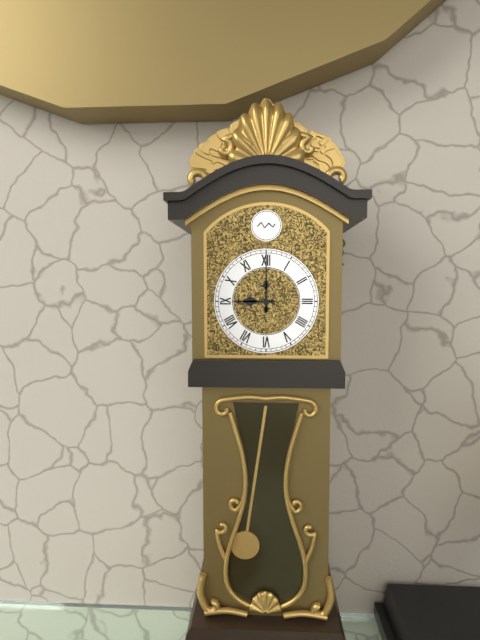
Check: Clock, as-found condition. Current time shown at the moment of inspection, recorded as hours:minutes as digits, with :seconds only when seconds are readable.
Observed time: 9:00
